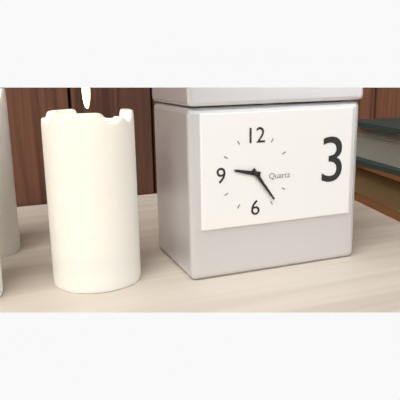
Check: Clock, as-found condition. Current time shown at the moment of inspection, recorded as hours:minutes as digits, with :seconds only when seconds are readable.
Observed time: 9:24
